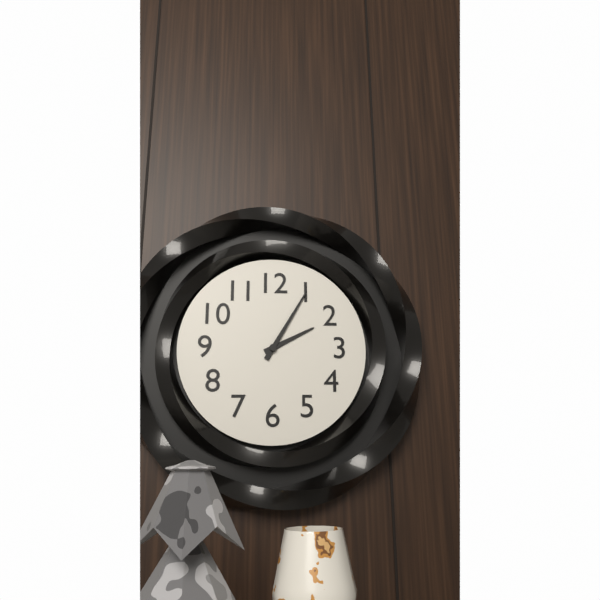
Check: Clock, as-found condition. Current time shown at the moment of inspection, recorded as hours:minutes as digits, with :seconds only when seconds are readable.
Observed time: 2:05
